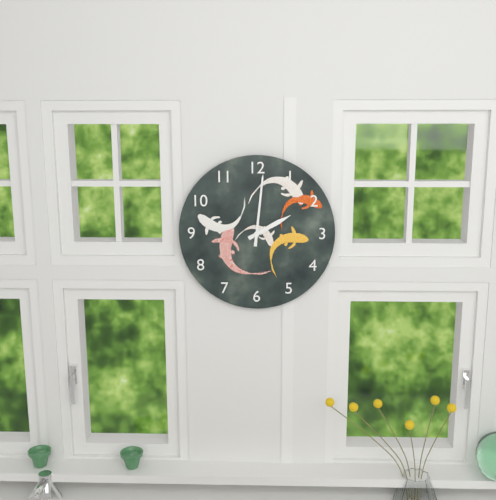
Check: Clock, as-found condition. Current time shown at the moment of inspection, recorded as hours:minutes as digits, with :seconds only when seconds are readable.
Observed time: 2:01
